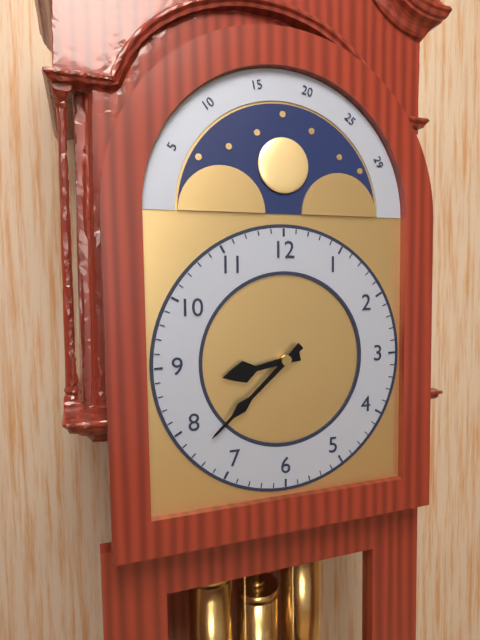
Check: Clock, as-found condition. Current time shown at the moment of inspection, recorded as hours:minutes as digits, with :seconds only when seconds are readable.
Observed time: 8:38
